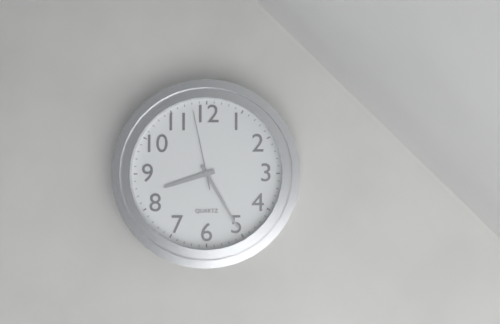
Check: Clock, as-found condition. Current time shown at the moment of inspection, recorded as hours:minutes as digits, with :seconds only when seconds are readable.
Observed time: 8:25:58
